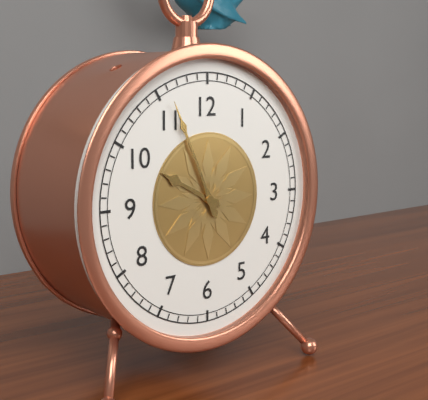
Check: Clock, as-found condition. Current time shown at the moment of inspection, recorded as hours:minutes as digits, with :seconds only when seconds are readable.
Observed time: 9:56
